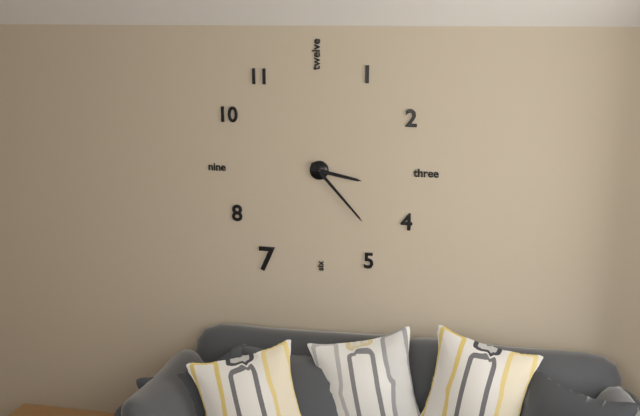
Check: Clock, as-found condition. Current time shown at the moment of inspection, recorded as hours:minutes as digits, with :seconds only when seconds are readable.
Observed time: 3:23
